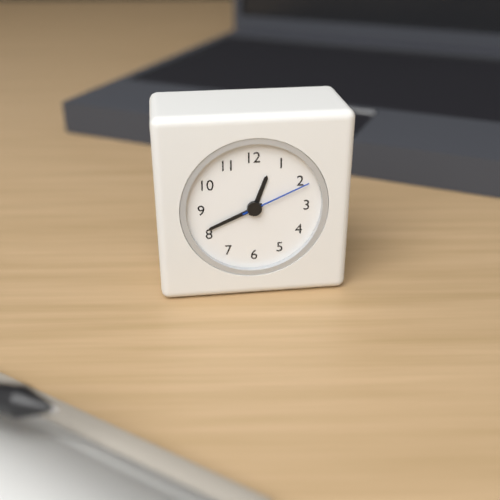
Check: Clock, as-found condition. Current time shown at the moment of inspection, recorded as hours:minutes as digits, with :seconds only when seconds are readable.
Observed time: 12:41:11
